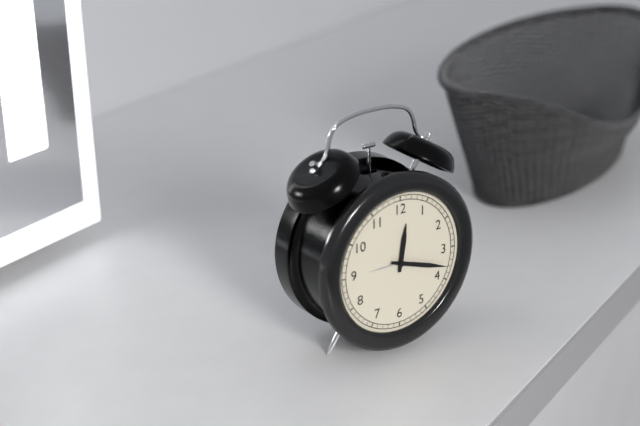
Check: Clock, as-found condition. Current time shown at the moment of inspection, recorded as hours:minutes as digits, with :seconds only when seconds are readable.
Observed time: 12:18
